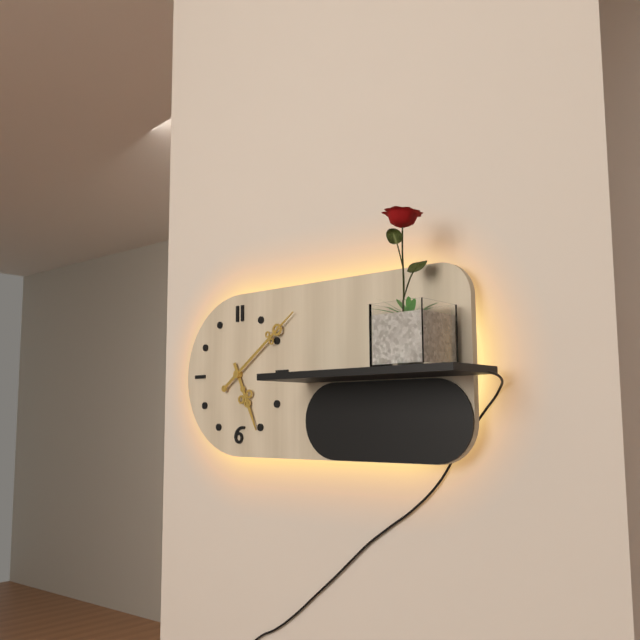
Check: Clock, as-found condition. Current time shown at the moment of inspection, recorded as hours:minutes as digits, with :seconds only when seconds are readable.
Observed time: 5:09
